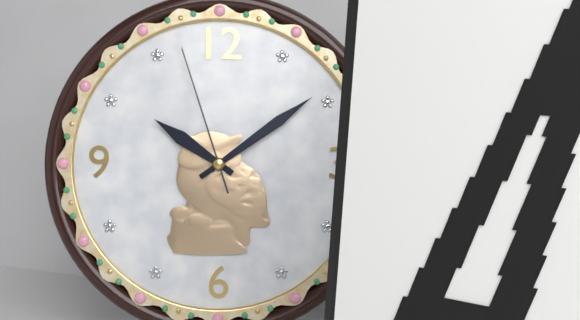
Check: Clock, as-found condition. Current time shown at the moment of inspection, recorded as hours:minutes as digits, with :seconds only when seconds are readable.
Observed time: 10:09:57
